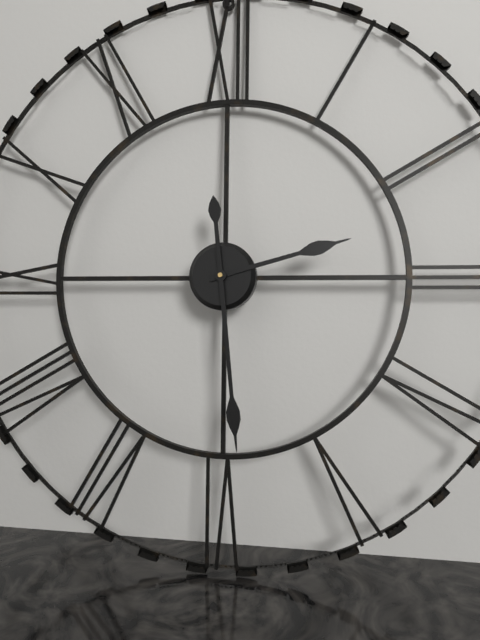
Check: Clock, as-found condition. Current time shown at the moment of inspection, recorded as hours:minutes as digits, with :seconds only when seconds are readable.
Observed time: 2:29
